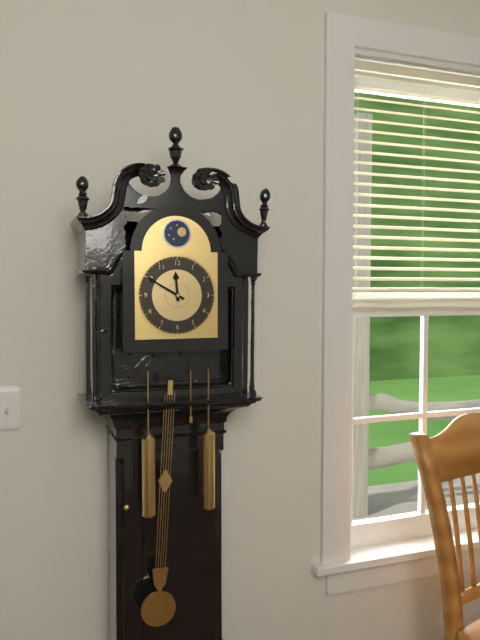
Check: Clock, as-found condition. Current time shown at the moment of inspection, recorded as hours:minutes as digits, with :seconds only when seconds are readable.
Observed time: 11:50
